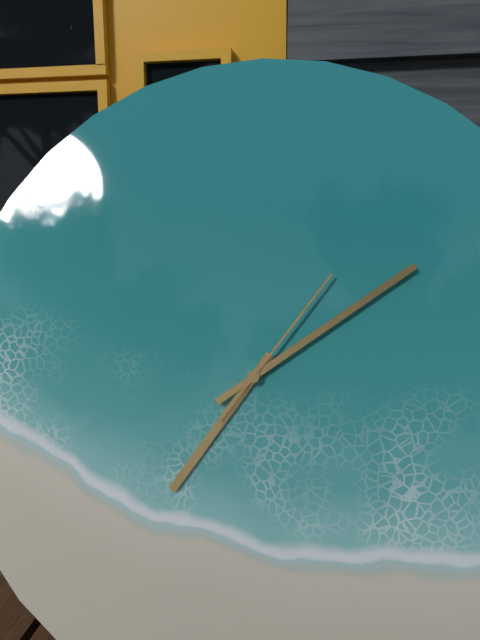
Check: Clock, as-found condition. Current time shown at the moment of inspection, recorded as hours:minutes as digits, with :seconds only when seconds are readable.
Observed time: 7:09:06
